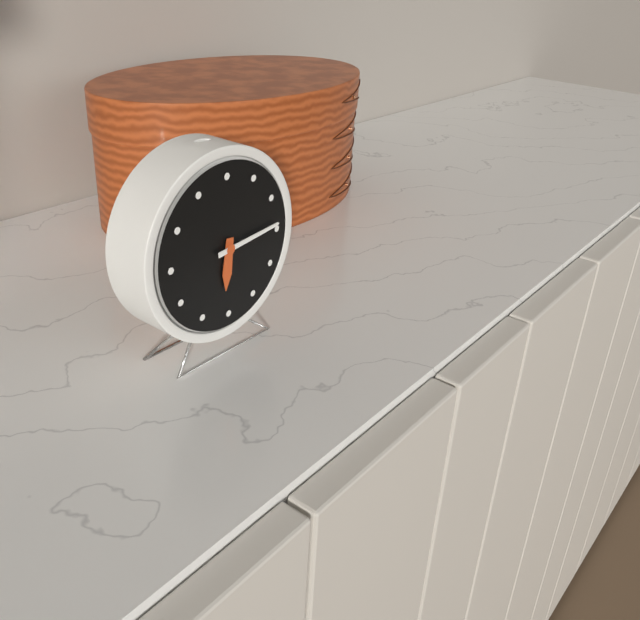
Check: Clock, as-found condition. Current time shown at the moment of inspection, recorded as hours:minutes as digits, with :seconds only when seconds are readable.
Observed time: 6:14
